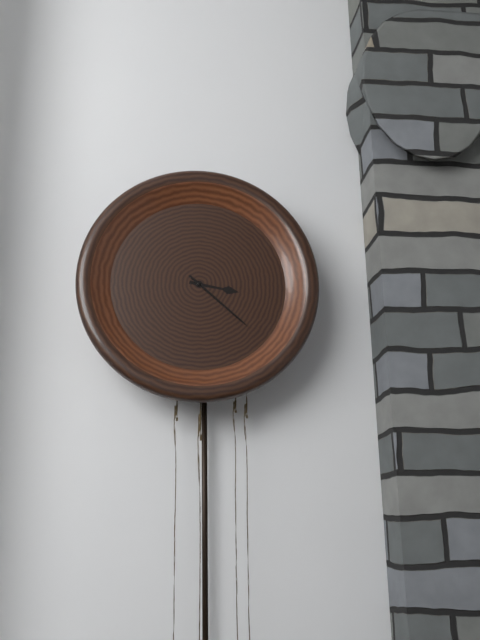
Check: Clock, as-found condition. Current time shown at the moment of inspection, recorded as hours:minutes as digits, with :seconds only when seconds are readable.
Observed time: 3:22
